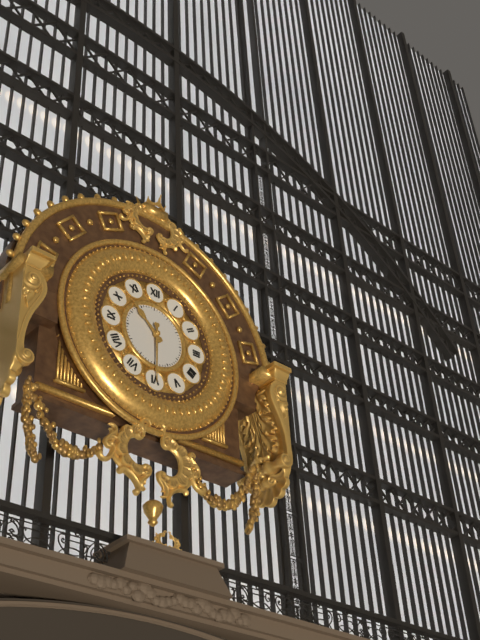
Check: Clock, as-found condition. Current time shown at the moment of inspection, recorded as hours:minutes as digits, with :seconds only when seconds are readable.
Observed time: 10:30
